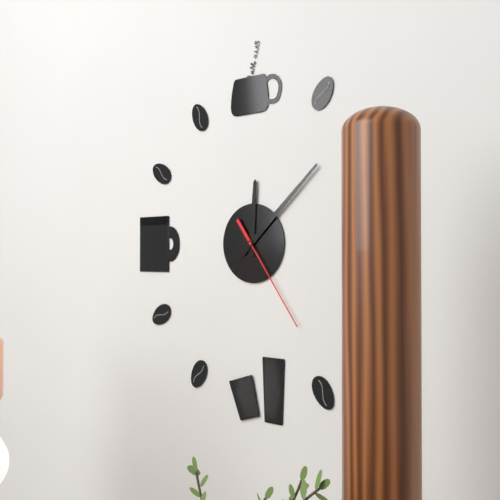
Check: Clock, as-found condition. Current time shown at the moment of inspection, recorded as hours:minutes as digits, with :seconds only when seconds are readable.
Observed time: 12:08:24
